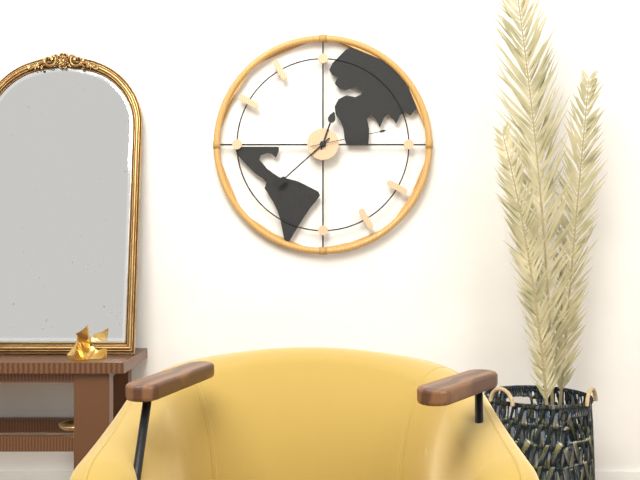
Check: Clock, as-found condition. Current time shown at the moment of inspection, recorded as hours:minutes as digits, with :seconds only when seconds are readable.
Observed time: 12:38:13
